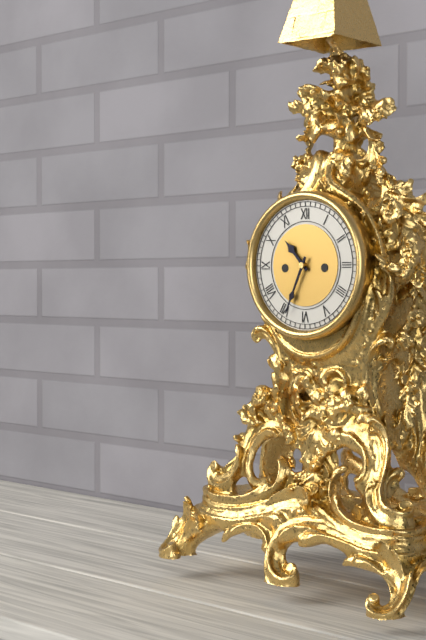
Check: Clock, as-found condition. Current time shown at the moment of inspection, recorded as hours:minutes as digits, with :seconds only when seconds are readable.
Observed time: 10:34
